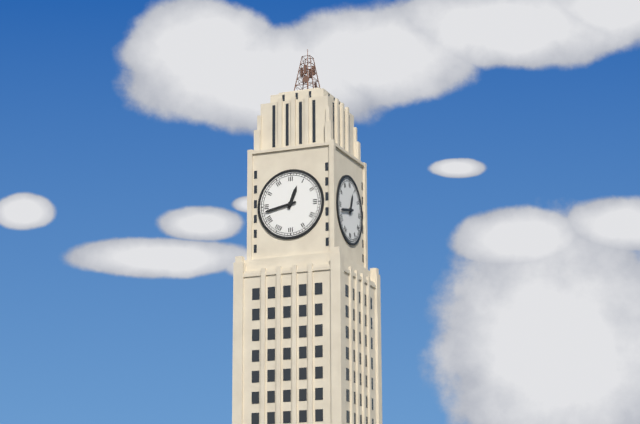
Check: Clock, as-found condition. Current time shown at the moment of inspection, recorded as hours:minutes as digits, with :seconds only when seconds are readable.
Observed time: 12:43
